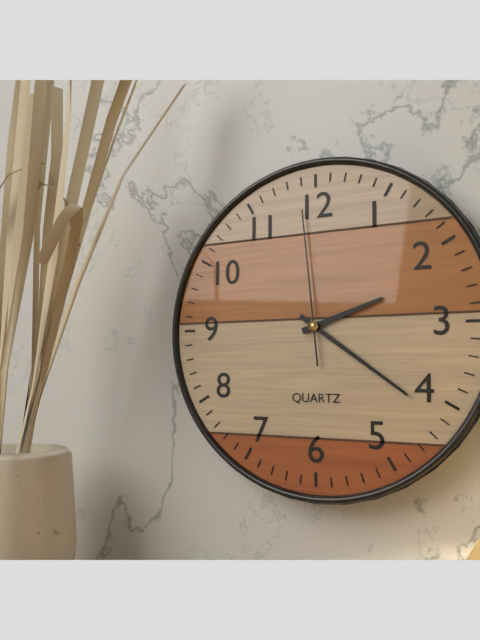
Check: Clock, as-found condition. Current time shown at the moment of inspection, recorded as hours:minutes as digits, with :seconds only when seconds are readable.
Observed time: 2:21:59
